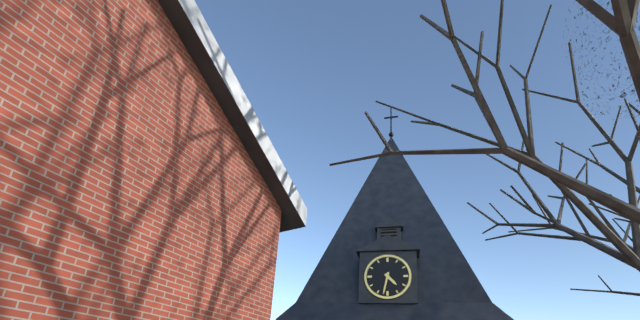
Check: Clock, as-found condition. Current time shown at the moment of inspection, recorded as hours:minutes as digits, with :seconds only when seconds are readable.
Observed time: 4:32
